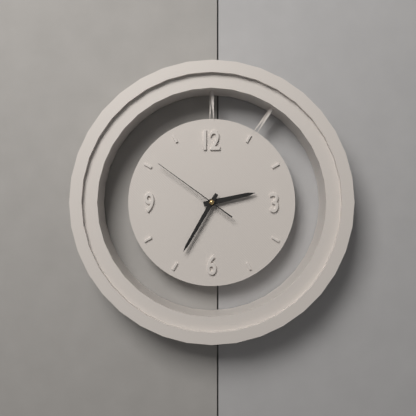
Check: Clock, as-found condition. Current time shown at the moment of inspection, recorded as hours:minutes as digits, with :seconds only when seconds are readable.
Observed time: 2:35:51
